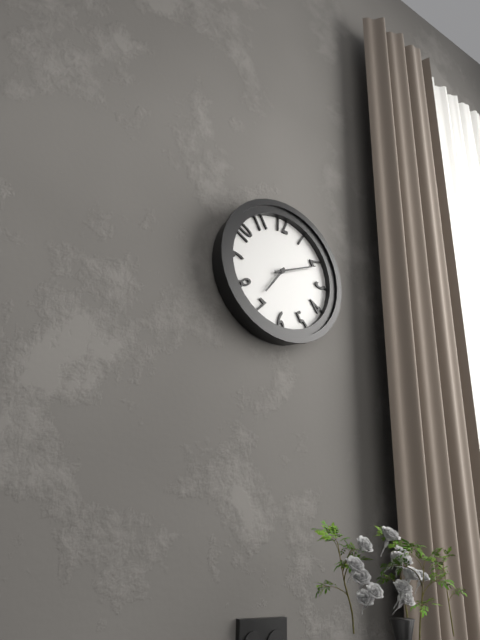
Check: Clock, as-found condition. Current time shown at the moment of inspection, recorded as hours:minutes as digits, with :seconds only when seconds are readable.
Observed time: 7:11
